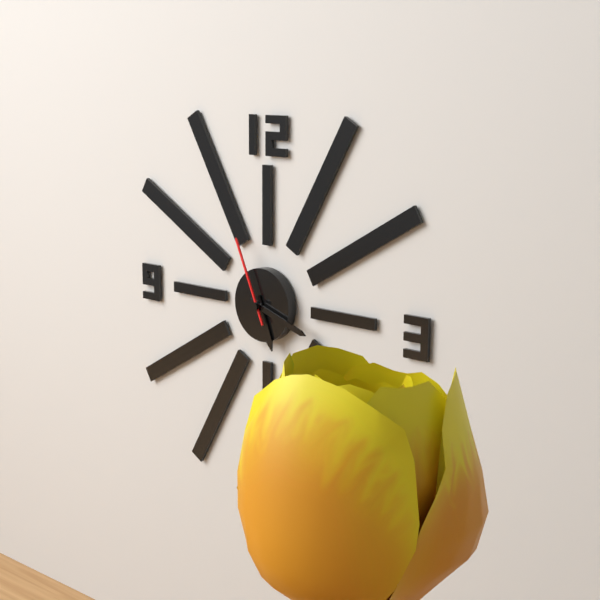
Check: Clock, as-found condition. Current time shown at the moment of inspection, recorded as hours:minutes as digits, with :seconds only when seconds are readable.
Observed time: 5:18:56
